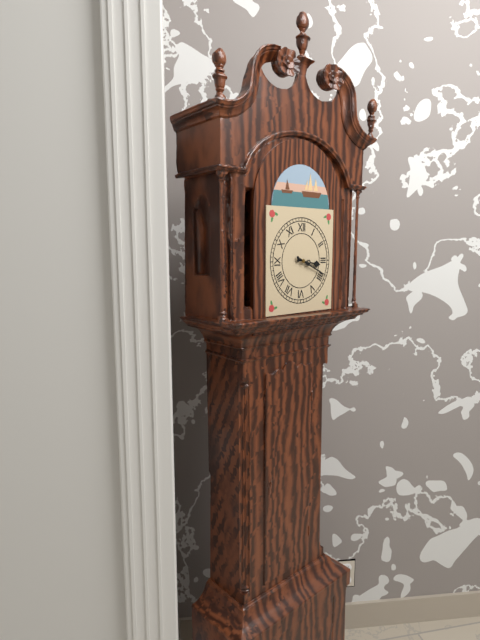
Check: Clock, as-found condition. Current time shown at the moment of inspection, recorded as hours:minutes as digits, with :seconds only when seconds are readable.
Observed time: 3:19
